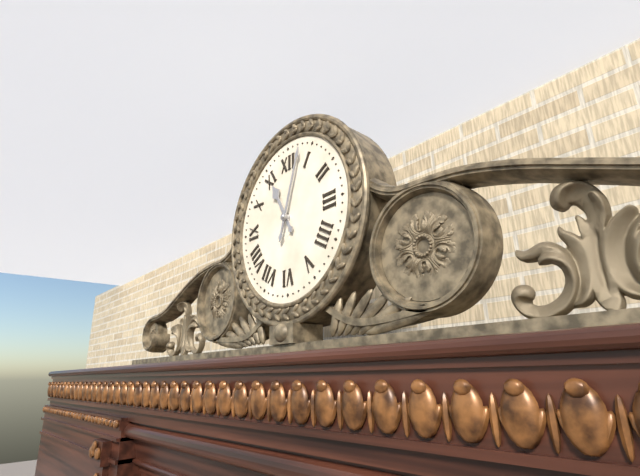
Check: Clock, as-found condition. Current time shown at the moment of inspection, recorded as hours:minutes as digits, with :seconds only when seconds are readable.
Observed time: 11:03
